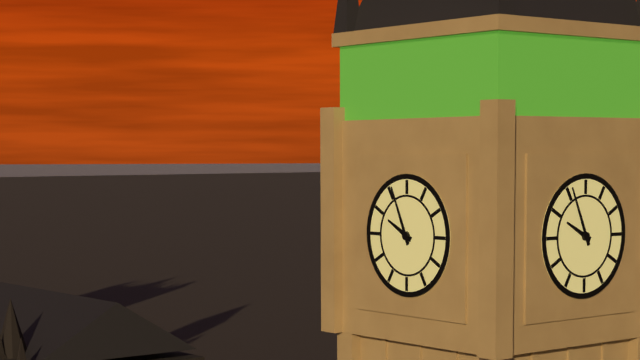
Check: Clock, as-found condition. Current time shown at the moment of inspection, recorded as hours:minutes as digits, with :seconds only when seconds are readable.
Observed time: 9:56
